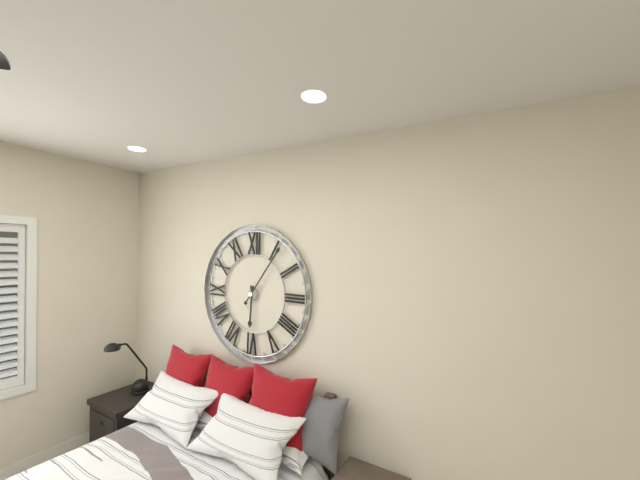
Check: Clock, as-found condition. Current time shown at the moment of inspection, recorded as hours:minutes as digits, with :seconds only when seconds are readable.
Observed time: 6:06
